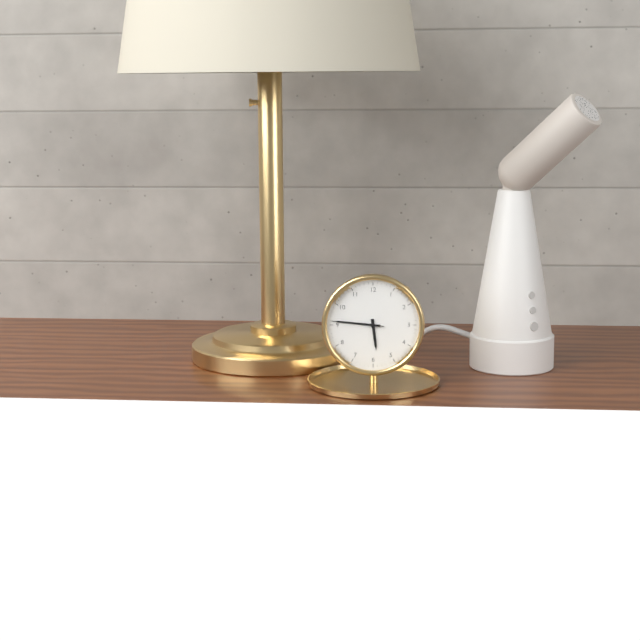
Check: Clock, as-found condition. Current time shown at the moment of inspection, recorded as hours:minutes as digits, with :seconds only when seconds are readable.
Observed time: 5:46:46
